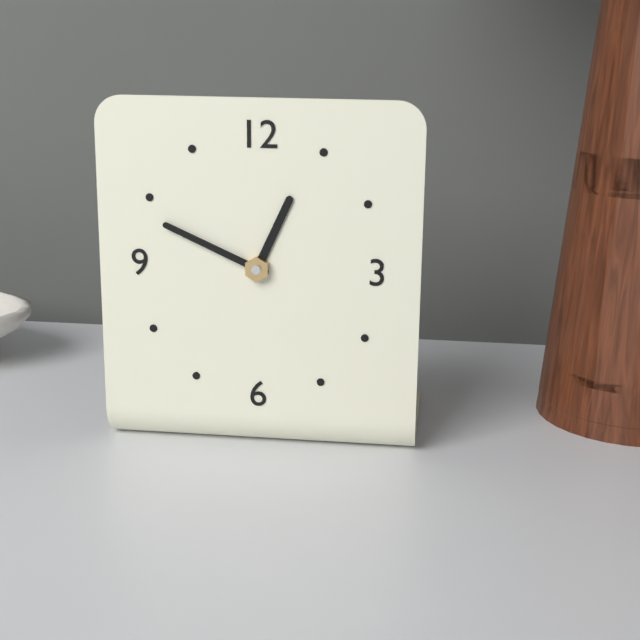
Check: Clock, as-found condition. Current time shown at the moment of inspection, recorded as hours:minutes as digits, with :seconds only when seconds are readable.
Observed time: 12:49
